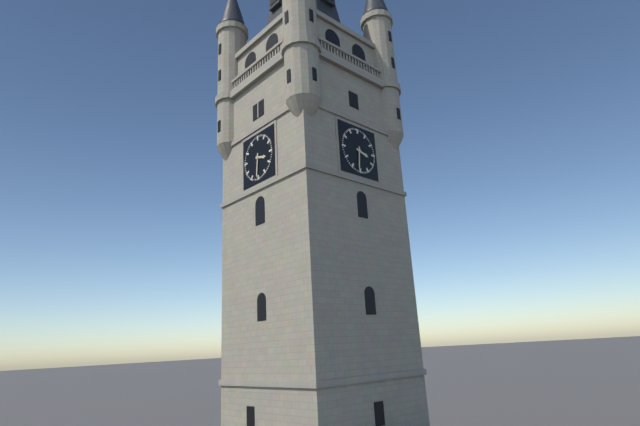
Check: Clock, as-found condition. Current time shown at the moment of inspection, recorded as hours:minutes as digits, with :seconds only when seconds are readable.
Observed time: 3:31
